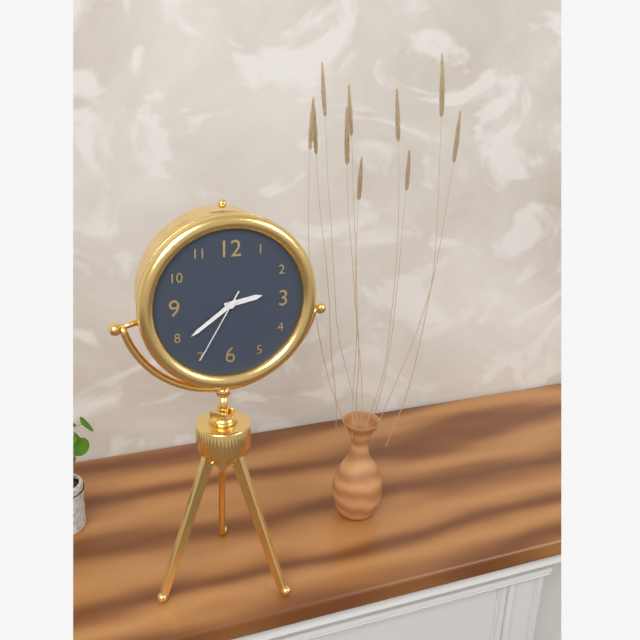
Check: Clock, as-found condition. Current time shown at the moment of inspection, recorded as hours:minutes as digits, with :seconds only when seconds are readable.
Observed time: 2:39:35
